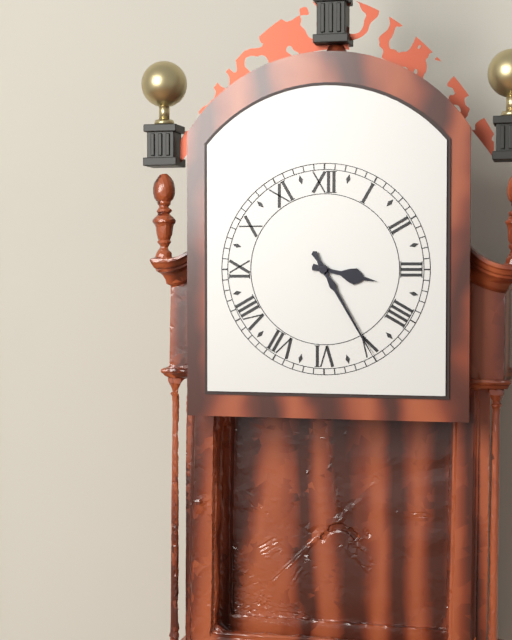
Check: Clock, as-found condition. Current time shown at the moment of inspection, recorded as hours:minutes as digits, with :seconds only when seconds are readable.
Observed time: 3:25
